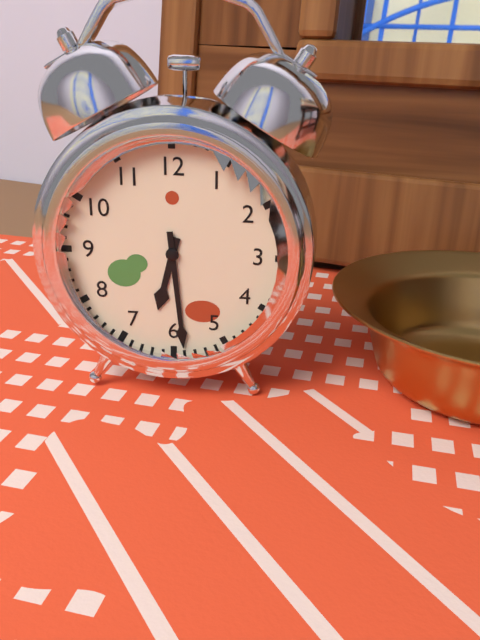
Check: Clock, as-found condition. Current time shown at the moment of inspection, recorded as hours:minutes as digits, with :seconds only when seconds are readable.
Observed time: 6:29
